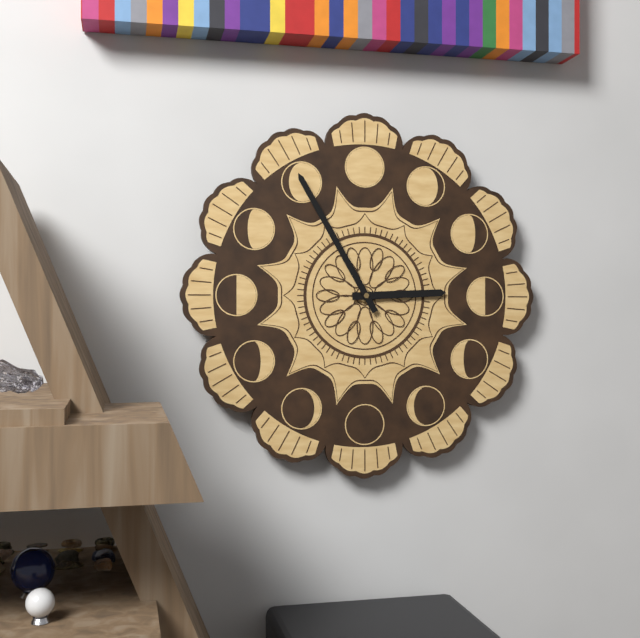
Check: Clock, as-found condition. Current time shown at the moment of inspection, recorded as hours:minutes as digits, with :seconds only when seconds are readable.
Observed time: 2:55
